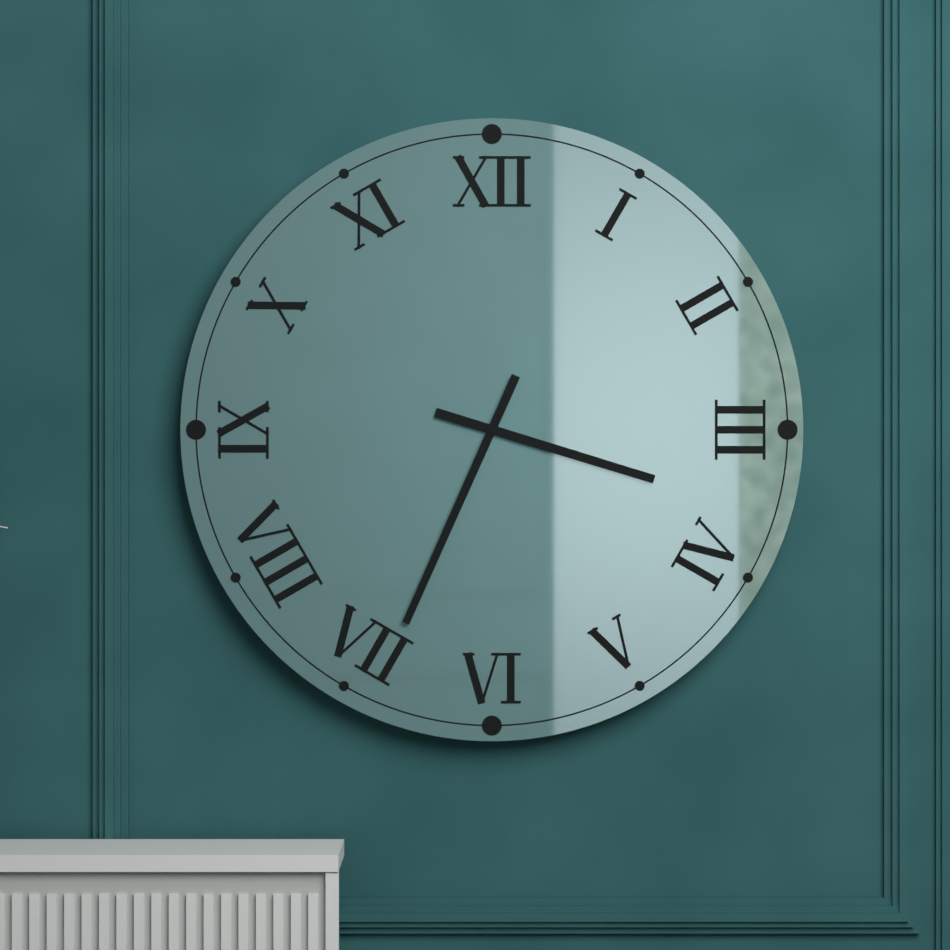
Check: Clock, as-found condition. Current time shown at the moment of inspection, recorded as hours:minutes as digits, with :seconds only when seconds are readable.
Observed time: 3:34
